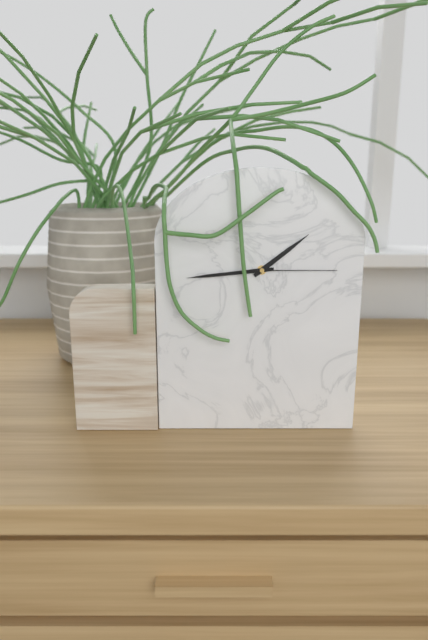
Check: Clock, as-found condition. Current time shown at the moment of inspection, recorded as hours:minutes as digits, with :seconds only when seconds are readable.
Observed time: 1:44:15
